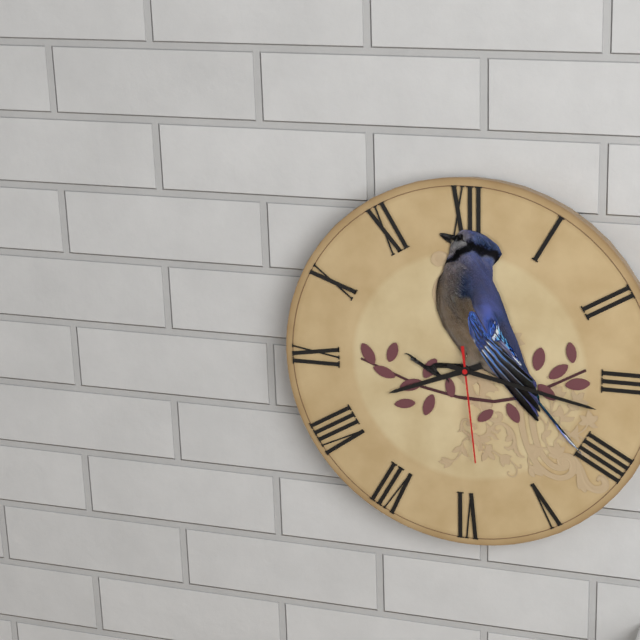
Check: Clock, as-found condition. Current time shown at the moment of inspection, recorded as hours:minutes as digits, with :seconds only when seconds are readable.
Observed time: 8:17:29
